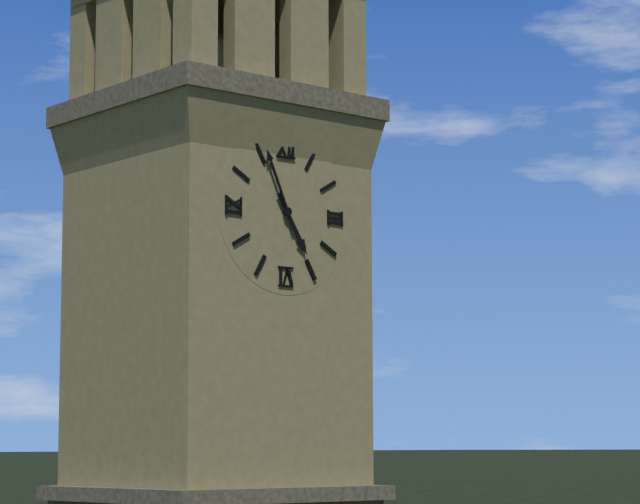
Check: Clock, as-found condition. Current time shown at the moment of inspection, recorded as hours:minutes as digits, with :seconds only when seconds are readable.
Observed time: 4:56
